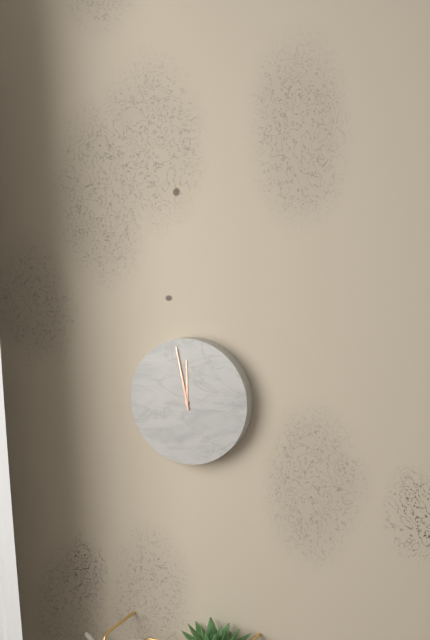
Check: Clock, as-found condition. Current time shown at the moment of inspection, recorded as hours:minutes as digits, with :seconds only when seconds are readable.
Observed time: 11:58
